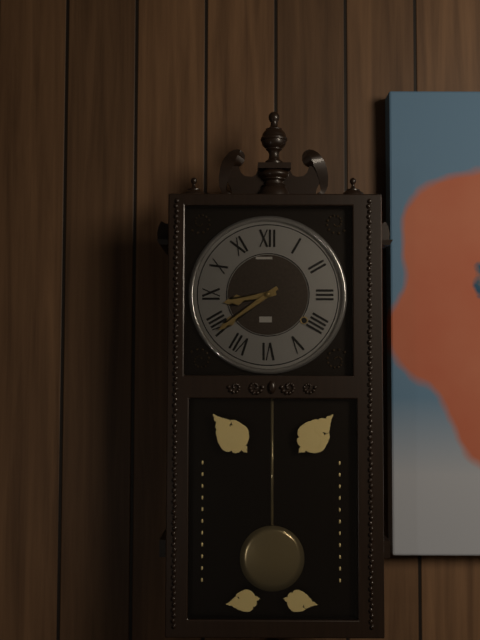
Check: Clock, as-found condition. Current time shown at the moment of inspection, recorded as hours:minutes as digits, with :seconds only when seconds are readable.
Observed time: 8:39
